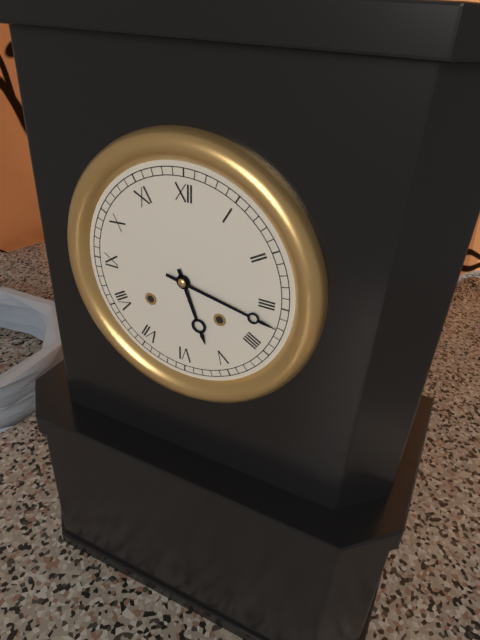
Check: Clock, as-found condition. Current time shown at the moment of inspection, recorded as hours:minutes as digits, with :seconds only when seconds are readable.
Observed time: 5:17
